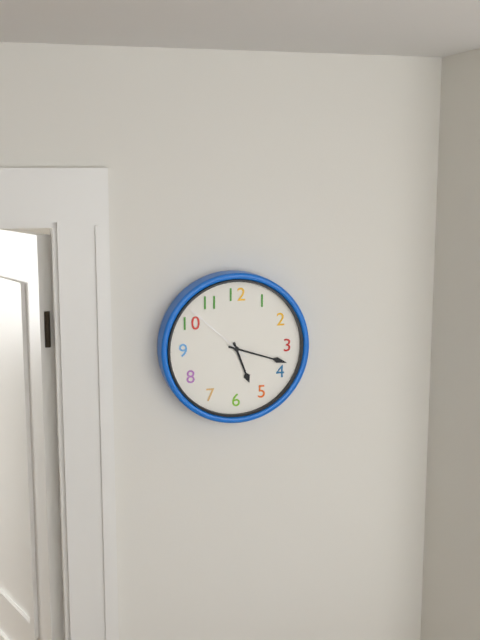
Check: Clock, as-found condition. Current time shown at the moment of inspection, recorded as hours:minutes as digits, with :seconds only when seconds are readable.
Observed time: 5:18:52
